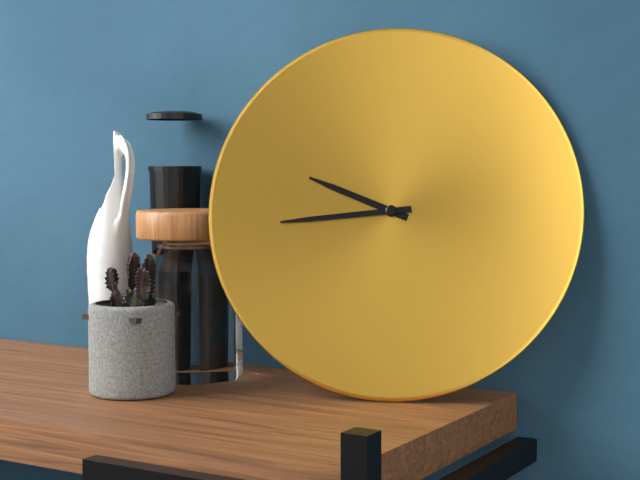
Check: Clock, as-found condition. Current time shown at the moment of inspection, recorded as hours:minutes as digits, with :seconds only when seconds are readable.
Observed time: 9:44
